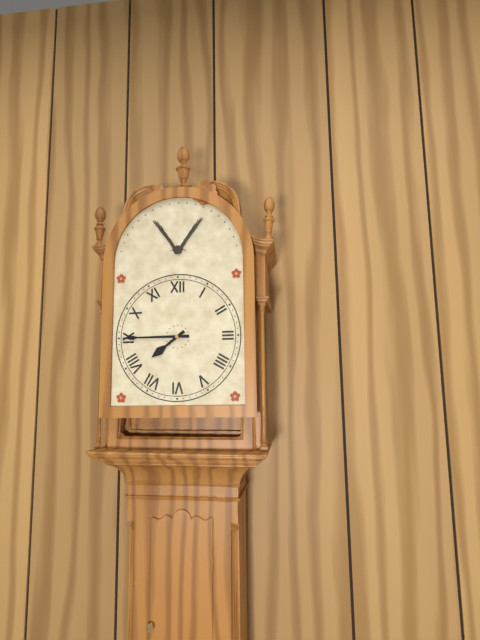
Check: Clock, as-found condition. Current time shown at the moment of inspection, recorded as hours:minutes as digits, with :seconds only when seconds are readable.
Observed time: 7:45
